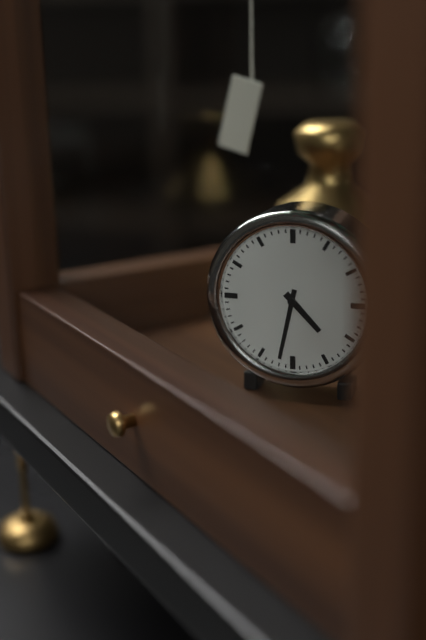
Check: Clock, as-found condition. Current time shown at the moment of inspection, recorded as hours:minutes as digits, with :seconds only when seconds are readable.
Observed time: 4:32
